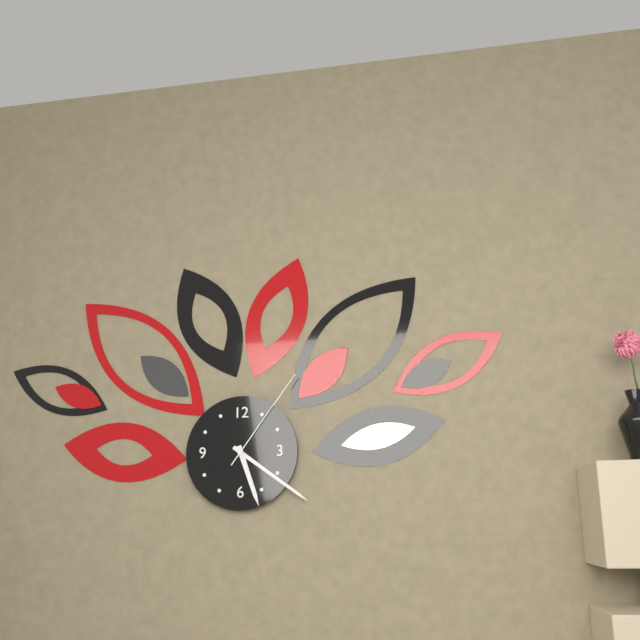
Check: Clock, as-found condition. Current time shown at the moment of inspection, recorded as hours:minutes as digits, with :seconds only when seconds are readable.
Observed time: 5:21:06
